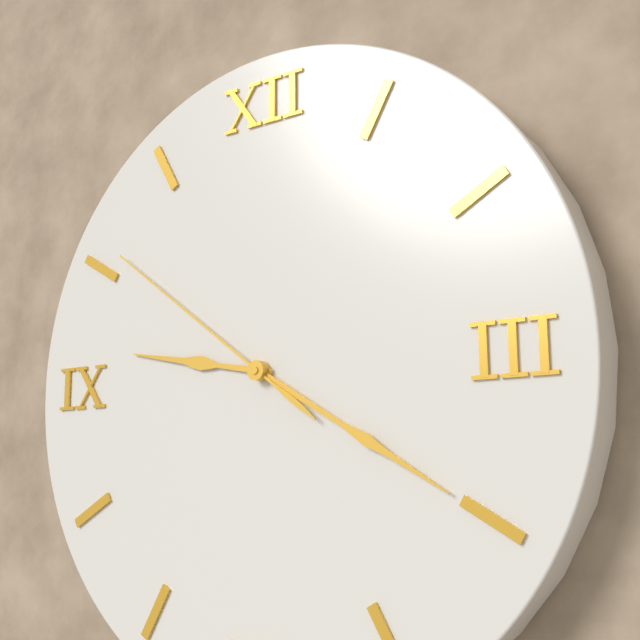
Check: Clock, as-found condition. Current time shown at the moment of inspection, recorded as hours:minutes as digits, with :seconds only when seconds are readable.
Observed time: 9:20:51
